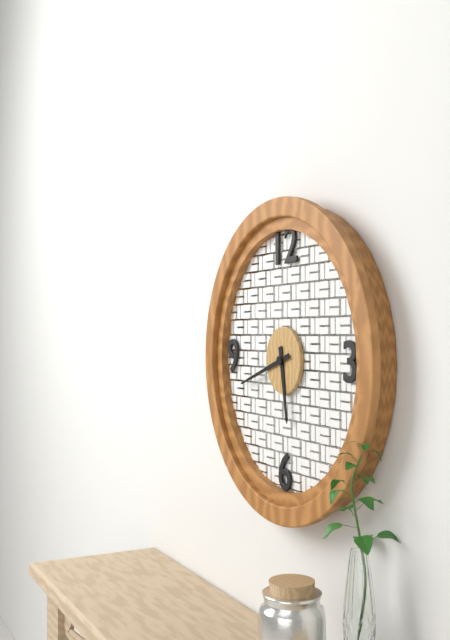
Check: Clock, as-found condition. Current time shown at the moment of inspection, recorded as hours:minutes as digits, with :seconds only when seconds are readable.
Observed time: 5:42
